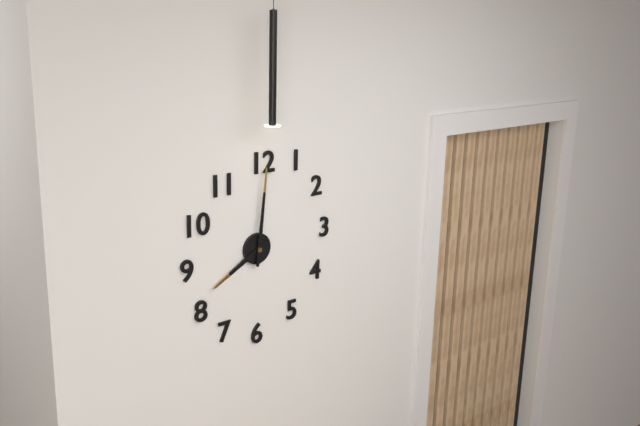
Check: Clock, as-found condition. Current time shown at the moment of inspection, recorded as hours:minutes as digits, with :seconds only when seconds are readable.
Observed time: 8:01
